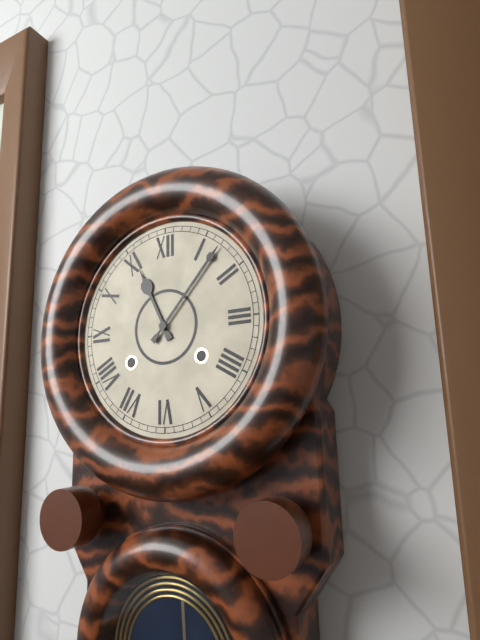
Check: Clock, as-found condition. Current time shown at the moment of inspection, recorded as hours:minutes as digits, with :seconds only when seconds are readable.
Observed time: 11:07
